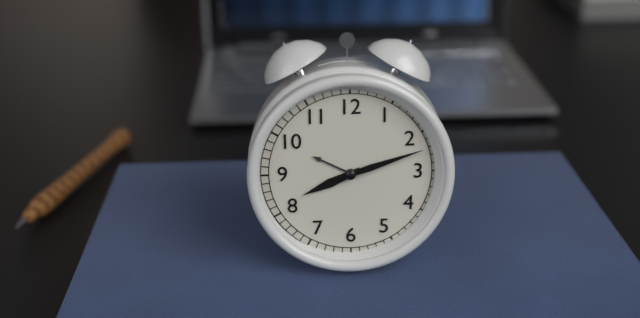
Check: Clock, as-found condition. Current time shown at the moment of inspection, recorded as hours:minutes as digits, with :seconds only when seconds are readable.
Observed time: 8:12
